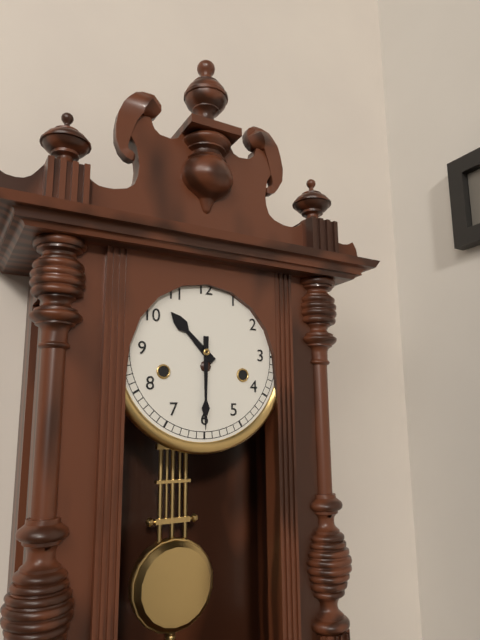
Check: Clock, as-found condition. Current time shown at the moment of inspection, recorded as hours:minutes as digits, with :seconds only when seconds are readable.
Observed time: 10:30
